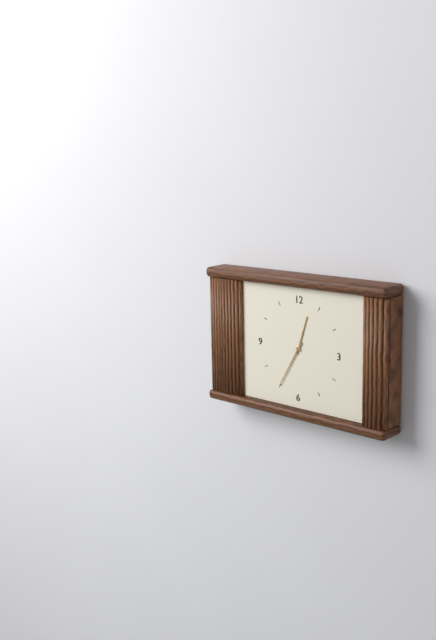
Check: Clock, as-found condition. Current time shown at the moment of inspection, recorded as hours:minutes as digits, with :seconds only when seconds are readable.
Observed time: 12:35
